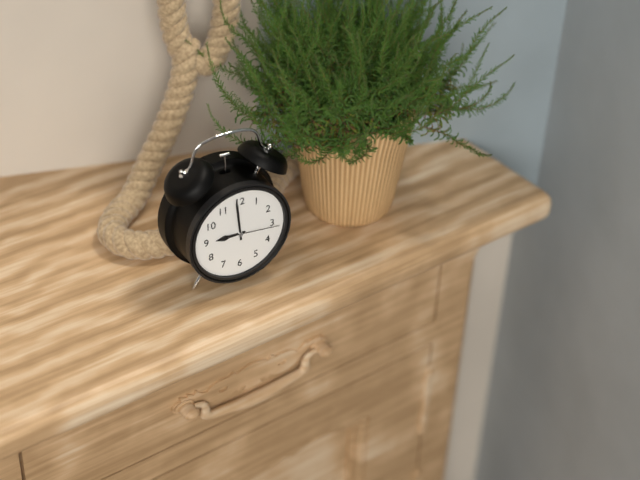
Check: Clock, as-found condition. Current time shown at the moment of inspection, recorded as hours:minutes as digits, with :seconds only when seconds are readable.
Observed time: 8:59:16
